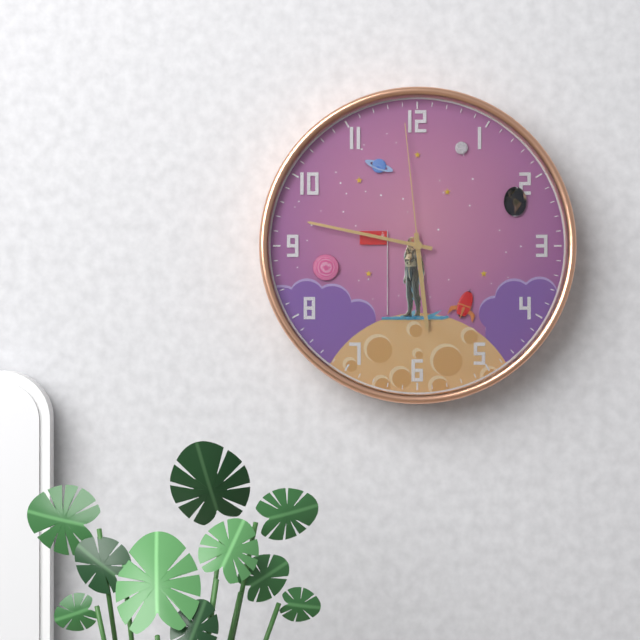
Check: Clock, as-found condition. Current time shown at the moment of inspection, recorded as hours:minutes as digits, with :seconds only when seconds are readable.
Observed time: 5:47:59
